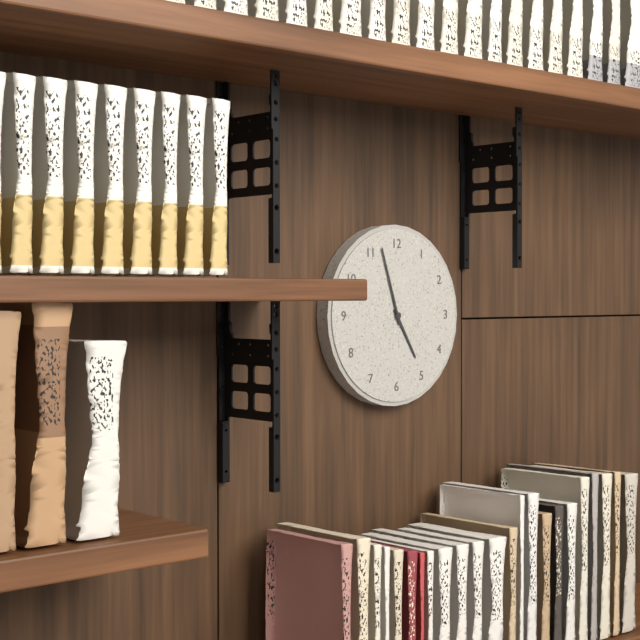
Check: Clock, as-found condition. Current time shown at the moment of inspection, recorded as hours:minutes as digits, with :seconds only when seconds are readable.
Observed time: 4:57
